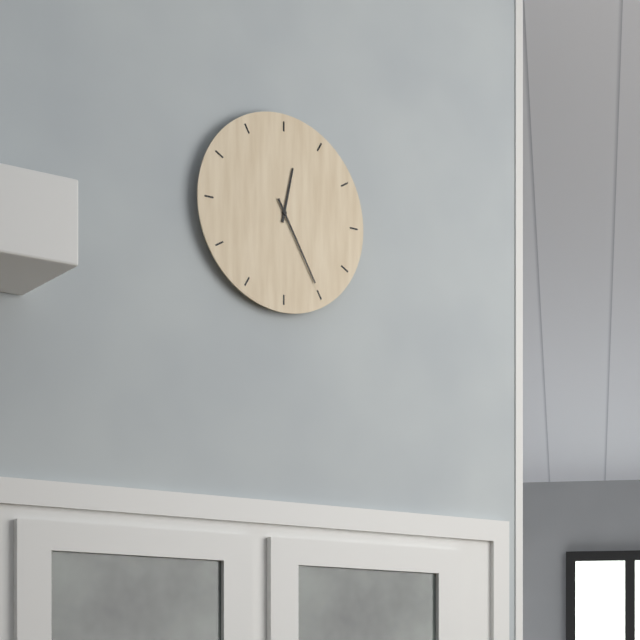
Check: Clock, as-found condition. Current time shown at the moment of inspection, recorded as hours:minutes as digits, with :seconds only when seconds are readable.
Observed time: 12:25
